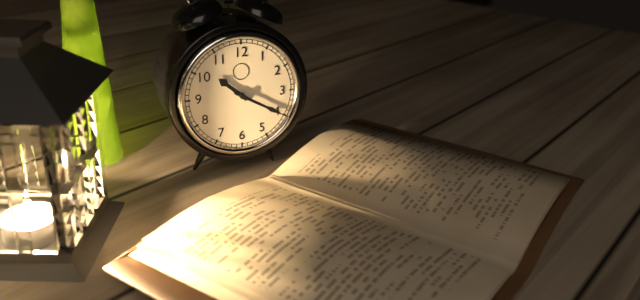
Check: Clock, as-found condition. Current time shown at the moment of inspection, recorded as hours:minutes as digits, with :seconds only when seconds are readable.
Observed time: 10:20
